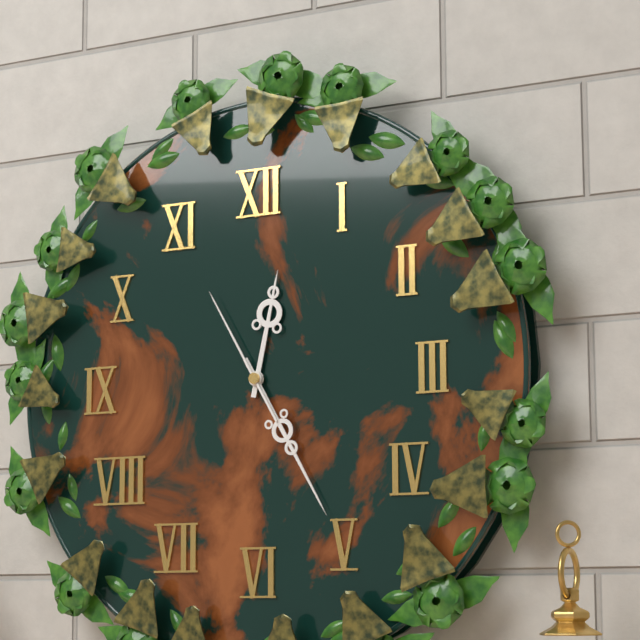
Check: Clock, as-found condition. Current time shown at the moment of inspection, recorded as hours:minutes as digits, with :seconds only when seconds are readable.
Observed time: 12:25:55
